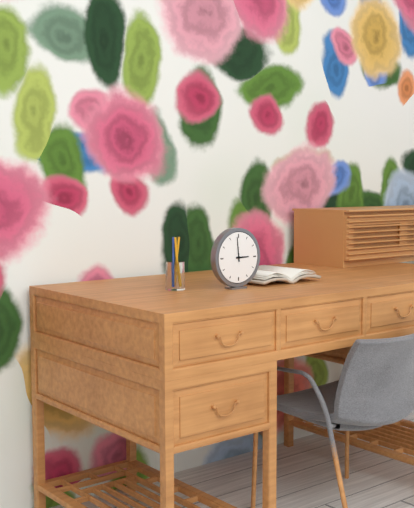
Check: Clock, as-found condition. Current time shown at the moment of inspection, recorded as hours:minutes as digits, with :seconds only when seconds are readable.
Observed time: 2:59
